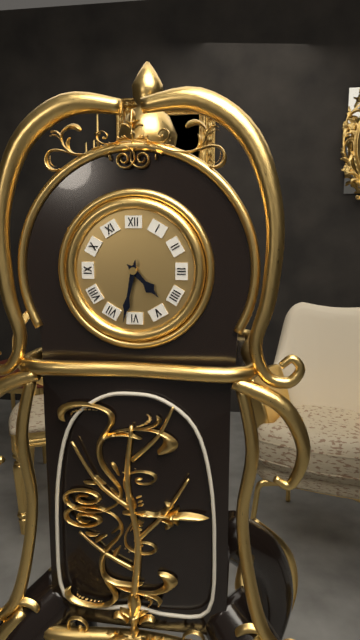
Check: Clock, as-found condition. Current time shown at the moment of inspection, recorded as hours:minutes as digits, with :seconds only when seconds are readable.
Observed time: 4:32
